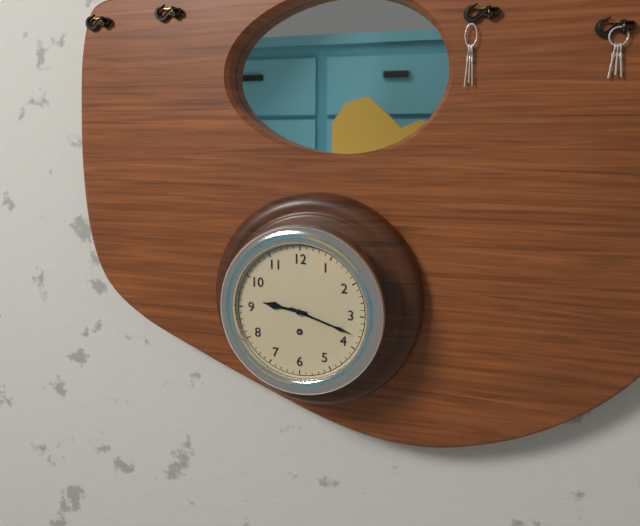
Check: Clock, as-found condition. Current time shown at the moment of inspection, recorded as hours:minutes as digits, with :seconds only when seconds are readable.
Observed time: 9:18
